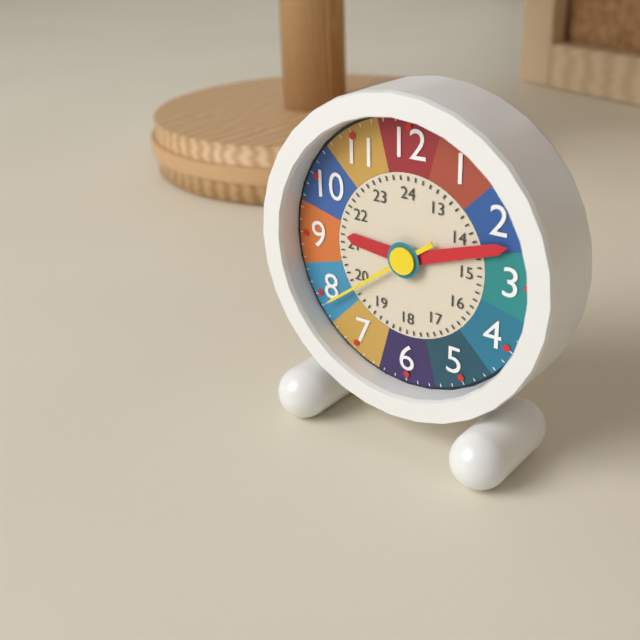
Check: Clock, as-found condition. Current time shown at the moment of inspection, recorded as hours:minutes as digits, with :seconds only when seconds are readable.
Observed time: 9:12:39
